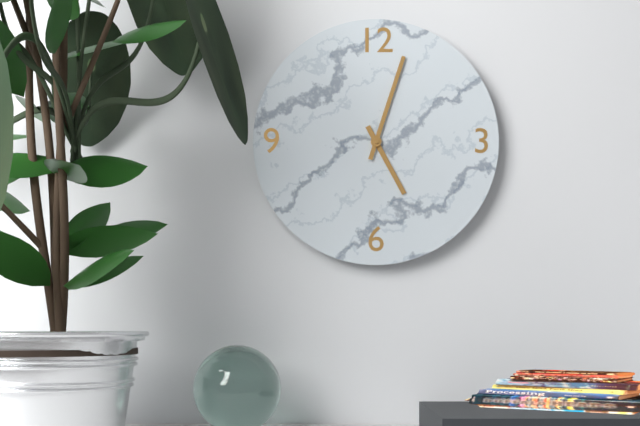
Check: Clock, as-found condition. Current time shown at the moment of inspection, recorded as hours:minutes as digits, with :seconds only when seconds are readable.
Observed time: 5:03
